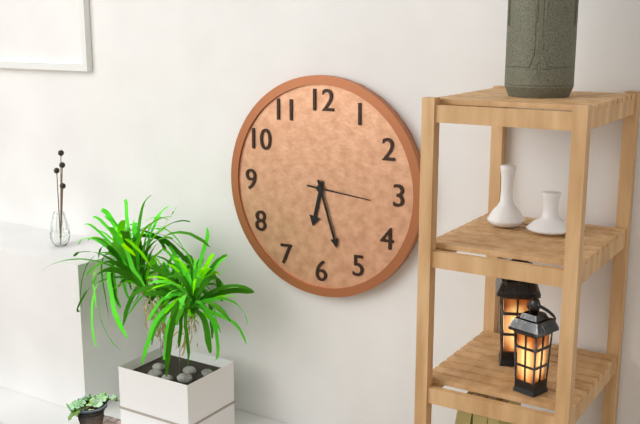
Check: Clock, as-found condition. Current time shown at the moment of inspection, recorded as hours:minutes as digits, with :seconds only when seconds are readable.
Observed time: 6:27:16
